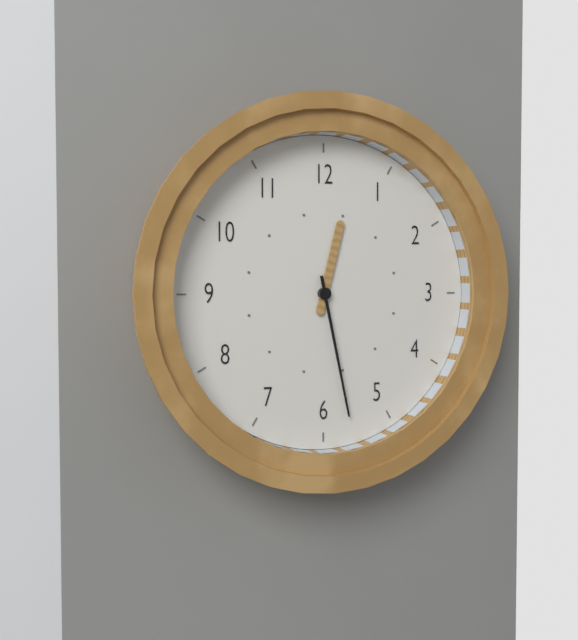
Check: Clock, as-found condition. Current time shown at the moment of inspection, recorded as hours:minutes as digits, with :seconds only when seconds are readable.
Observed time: 12:28
